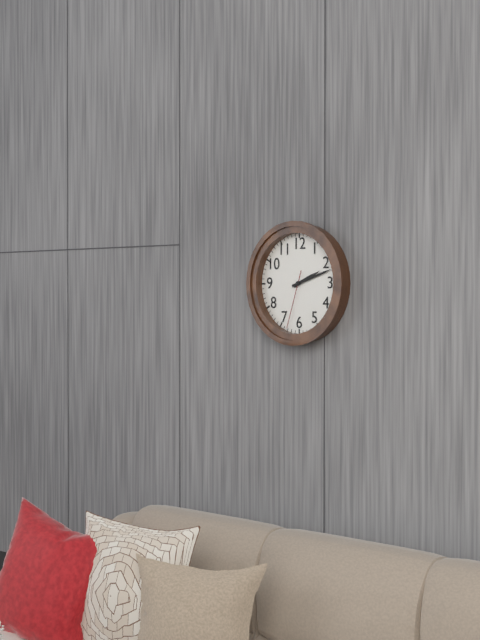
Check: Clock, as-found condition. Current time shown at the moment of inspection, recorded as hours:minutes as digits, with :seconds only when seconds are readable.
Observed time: 2:12:33
